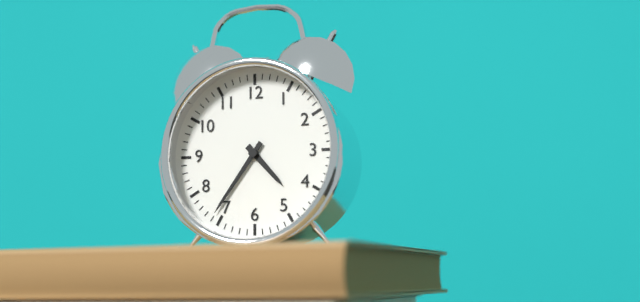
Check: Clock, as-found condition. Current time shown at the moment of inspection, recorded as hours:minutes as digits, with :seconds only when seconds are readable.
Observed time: 4:36
